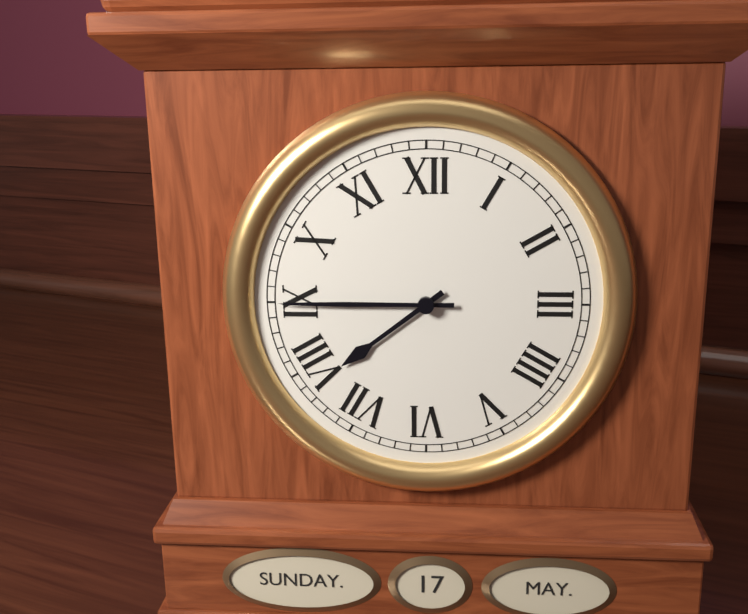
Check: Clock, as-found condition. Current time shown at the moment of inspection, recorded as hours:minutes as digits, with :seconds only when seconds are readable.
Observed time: 7:45
